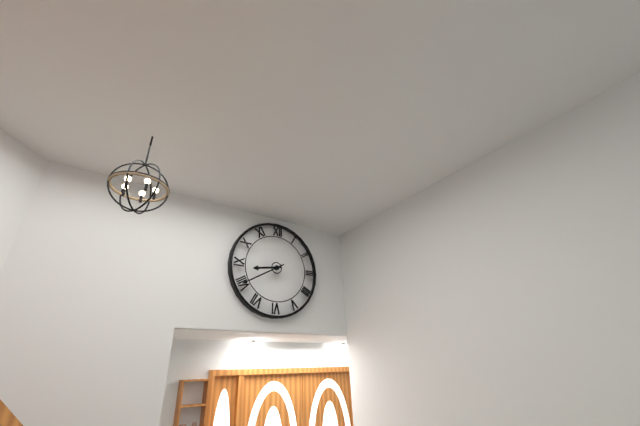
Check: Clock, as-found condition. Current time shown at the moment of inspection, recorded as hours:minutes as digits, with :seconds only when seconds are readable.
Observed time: 8:40
